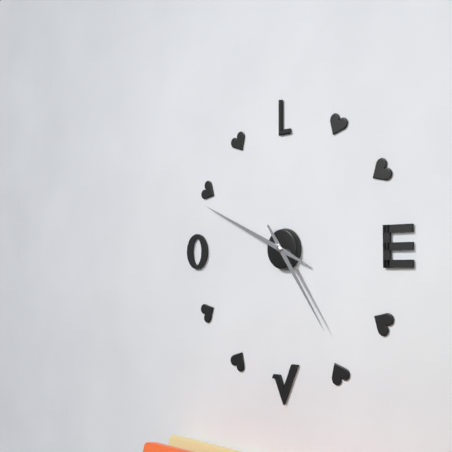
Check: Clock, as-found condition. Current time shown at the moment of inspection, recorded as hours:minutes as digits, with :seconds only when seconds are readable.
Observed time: 4:49
